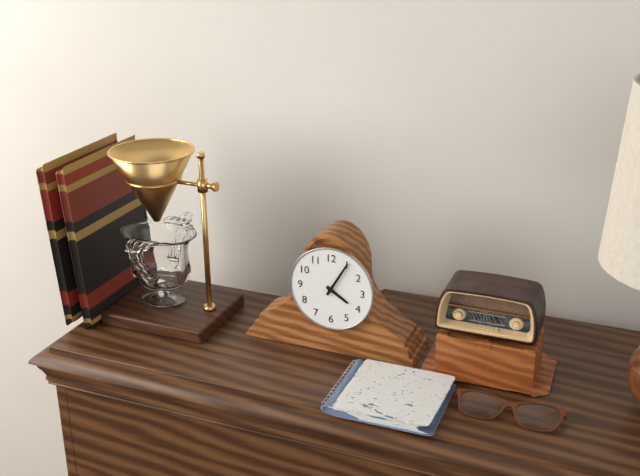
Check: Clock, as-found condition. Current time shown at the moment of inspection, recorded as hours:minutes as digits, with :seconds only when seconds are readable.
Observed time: 4:05
